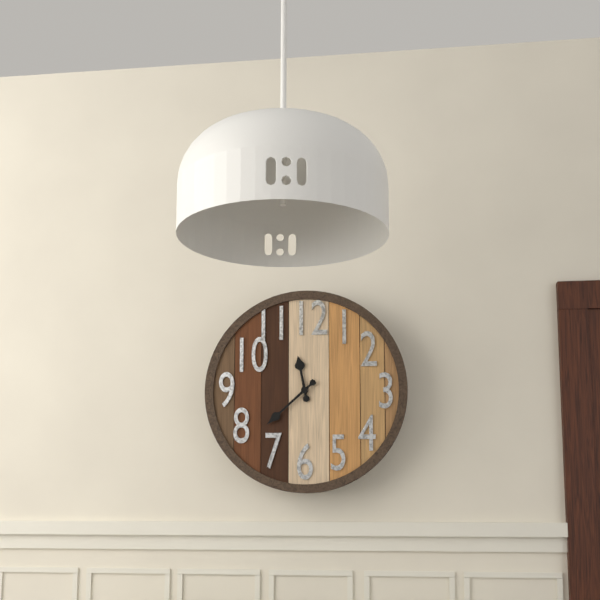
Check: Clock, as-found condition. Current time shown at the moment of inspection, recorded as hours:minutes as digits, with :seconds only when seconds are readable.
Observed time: 11:38
